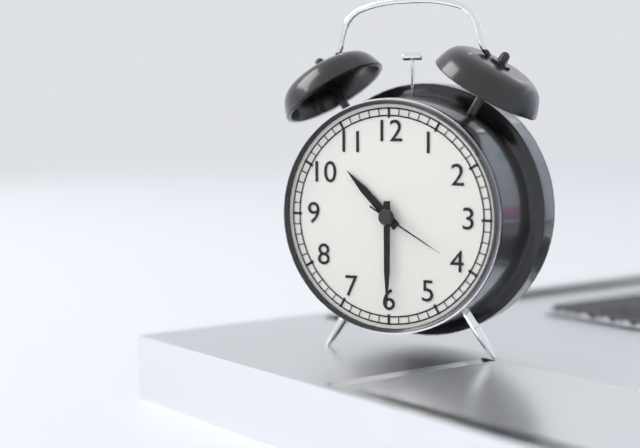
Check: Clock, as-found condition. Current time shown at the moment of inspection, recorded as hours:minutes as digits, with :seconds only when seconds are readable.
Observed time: 10:30:20
